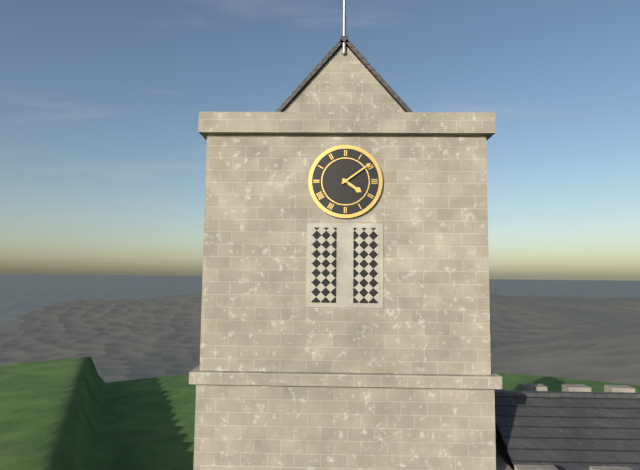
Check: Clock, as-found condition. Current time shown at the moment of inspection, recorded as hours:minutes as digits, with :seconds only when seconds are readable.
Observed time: 4:09
